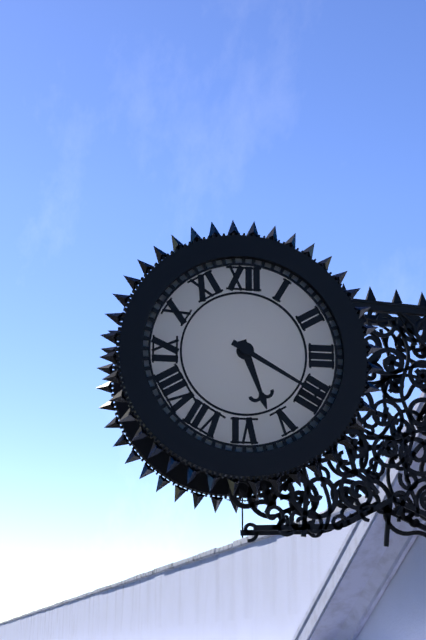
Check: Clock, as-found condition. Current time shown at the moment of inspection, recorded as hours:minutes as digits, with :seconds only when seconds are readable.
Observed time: 5:20
